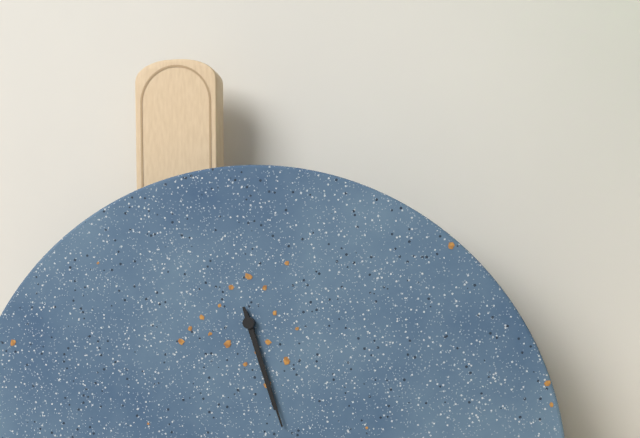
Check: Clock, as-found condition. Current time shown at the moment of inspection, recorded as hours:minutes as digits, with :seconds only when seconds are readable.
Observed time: 5:27
